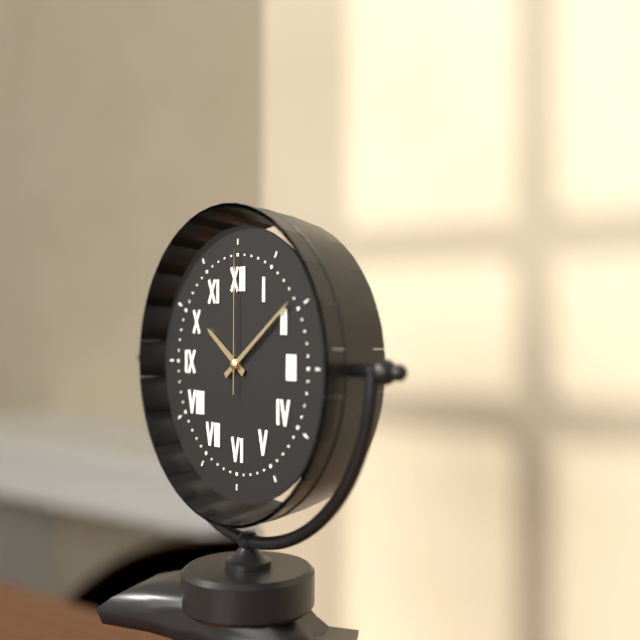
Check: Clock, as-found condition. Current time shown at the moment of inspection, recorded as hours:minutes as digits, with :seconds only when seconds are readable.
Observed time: 10:09:00
